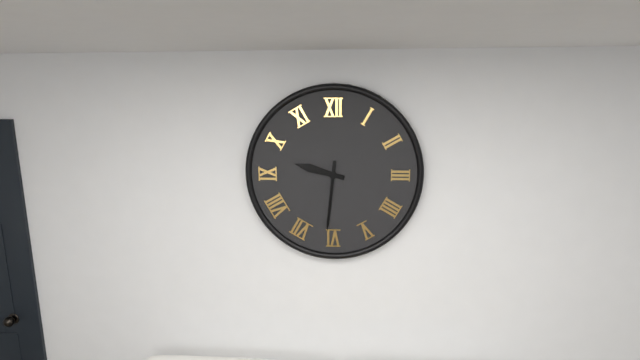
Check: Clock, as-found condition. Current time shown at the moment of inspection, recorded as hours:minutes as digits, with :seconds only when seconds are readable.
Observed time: 9:31
